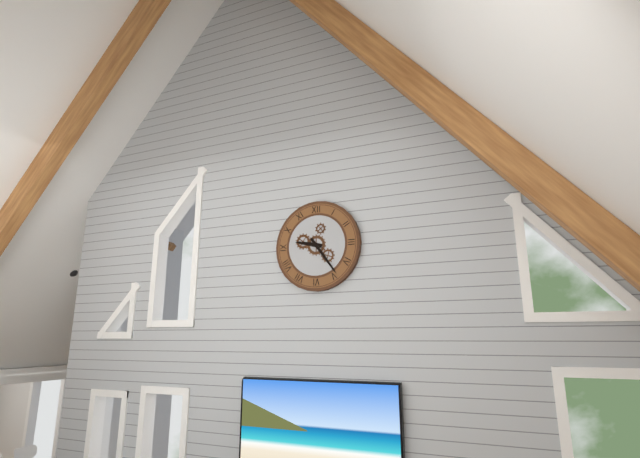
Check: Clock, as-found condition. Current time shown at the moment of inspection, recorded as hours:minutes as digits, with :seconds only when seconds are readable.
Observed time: 9:24
